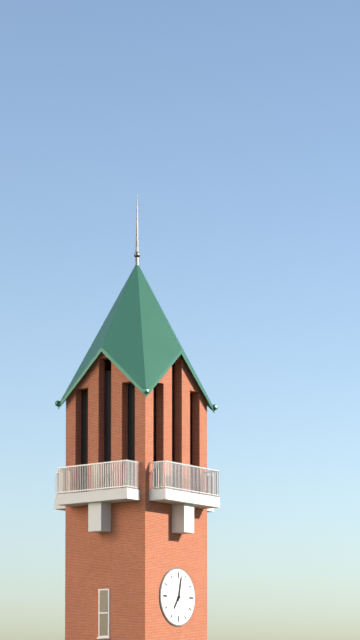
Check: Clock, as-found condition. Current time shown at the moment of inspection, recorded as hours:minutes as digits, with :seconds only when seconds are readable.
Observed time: 7:02
